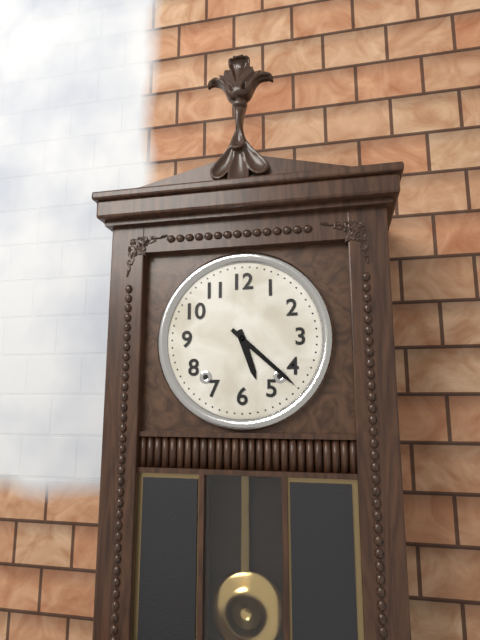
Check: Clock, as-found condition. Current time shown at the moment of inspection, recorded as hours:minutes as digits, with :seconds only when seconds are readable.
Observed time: 5:22
